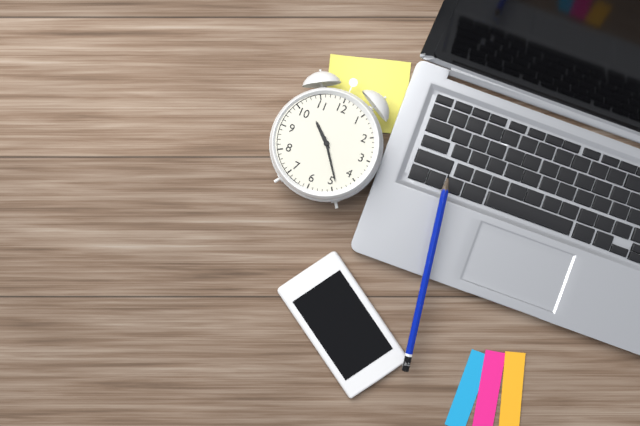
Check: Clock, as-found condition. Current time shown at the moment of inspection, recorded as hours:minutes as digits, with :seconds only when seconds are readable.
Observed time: 10:24
